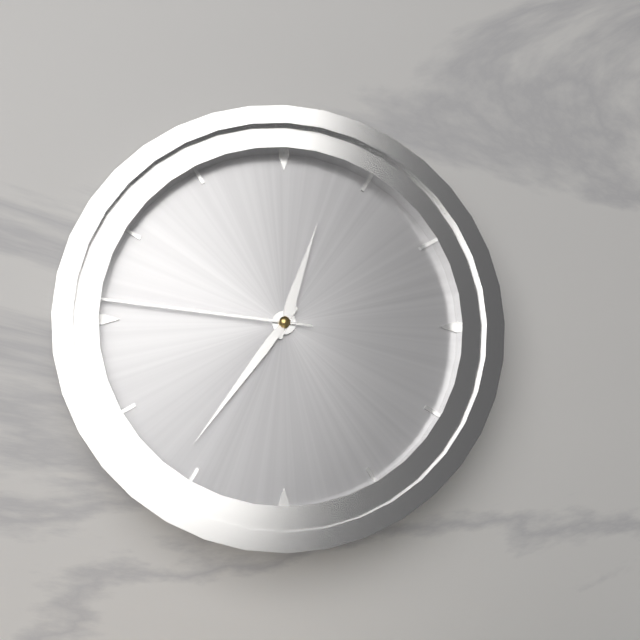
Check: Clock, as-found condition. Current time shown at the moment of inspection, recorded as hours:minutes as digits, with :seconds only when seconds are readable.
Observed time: 12:36:46
